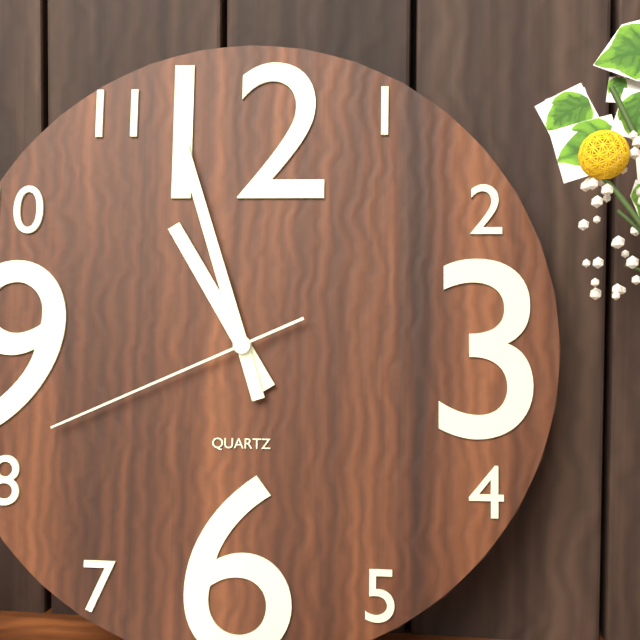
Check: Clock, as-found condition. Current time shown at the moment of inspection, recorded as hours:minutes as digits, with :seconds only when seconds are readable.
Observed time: 10:57:41
